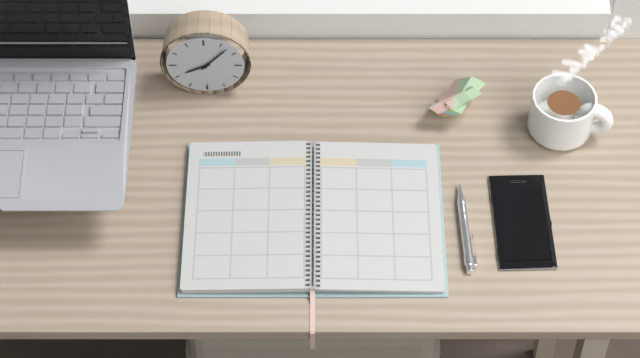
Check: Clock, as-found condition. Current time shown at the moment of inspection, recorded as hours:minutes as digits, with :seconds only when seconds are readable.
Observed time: 8:07
